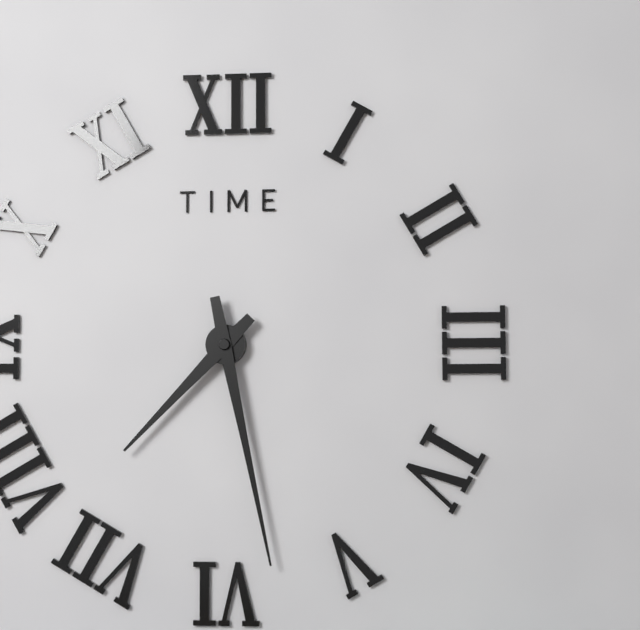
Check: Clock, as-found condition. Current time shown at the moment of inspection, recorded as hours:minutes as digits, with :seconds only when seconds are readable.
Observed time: 7:28
